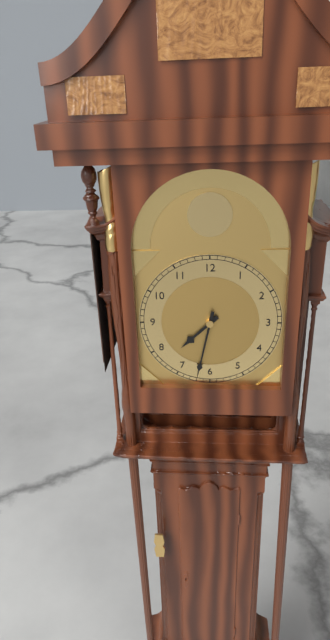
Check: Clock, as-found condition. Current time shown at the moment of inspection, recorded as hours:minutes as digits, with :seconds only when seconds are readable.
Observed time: 7:32
